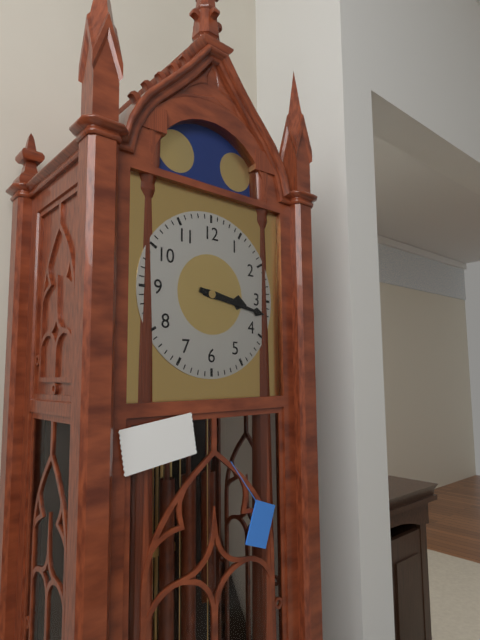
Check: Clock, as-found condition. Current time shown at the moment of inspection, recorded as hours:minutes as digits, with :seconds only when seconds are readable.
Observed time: 3:17
